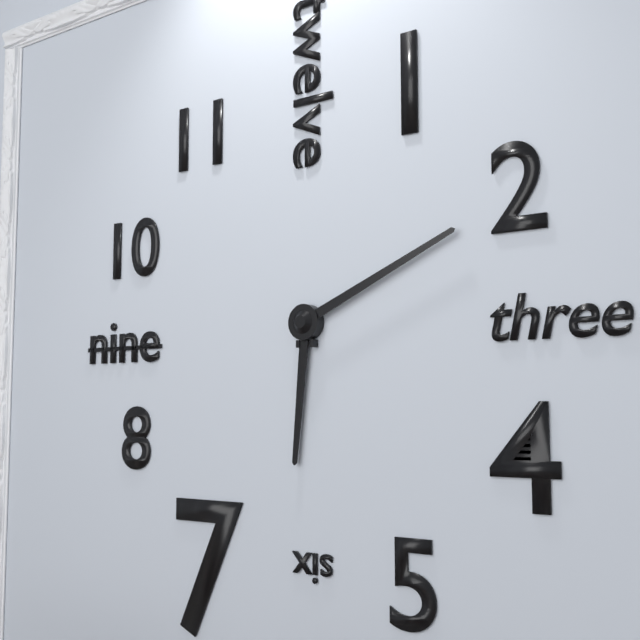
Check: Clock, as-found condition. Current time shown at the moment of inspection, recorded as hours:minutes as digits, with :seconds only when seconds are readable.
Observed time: 6:11
